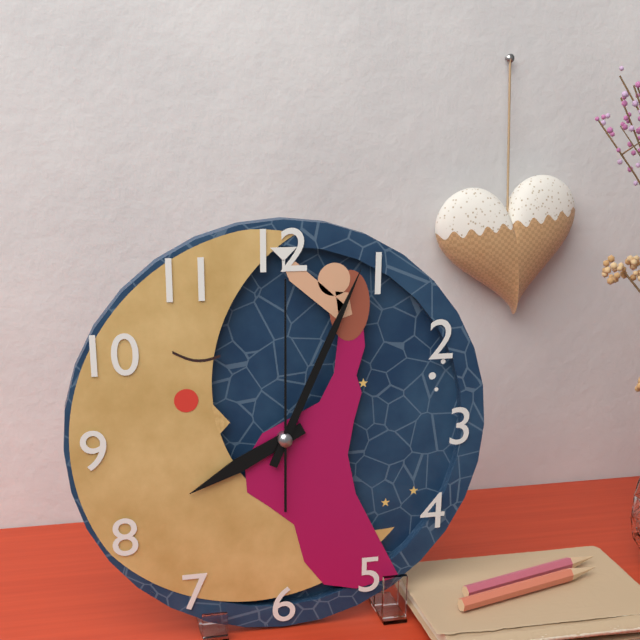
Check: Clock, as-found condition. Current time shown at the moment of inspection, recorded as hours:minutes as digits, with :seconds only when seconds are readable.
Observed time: 8:04:00
